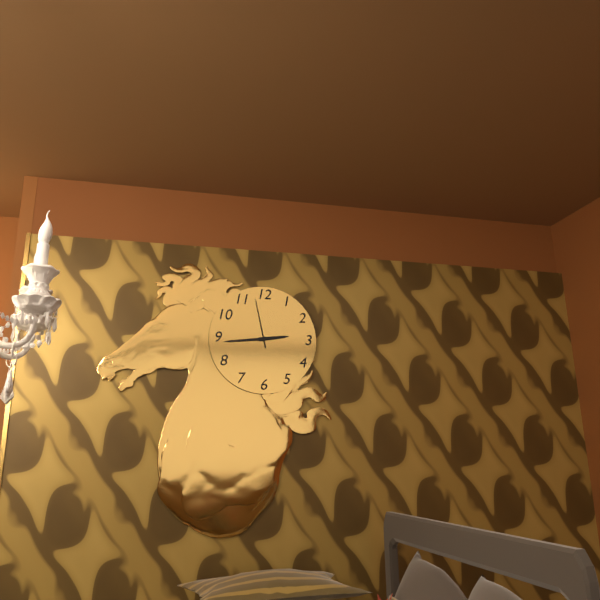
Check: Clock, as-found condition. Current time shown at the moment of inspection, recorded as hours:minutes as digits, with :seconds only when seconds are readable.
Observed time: 2:44:58
